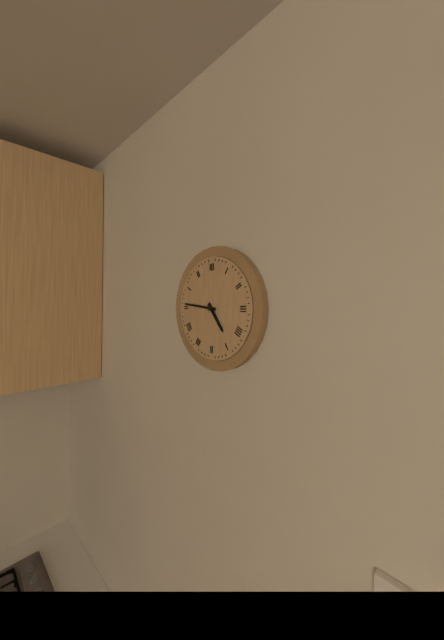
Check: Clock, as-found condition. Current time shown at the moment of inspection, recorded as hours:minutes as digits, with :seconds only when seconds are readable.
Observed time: 4:46
